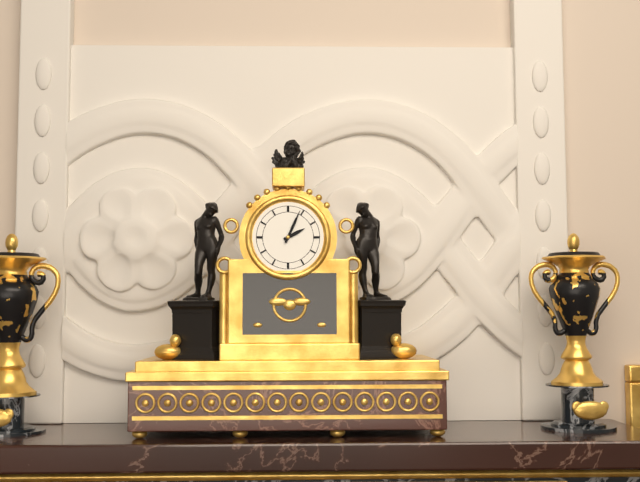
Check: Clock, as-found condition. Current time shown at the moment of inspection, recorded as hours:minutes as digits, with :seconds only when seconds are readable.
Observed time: 2:04
